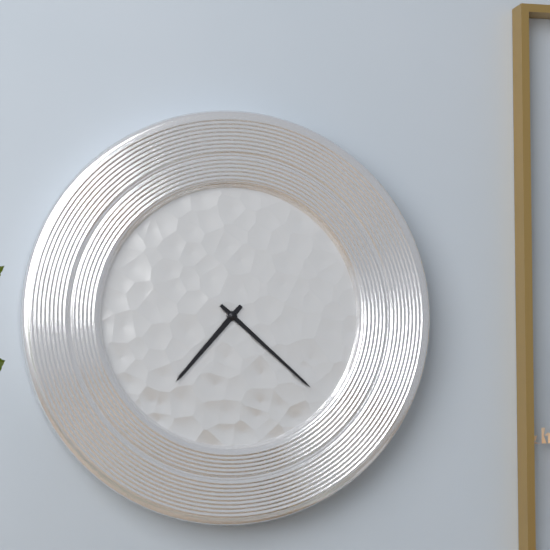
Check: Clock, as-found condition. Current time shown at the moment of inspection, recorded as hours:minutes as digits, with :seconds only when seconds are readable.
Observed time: 7:22
